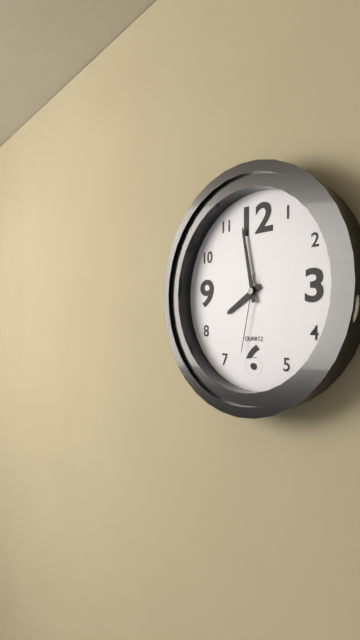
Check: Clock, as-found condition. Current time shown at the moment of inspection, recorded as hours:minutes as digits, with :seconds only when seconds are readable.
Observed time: 7:58:32
